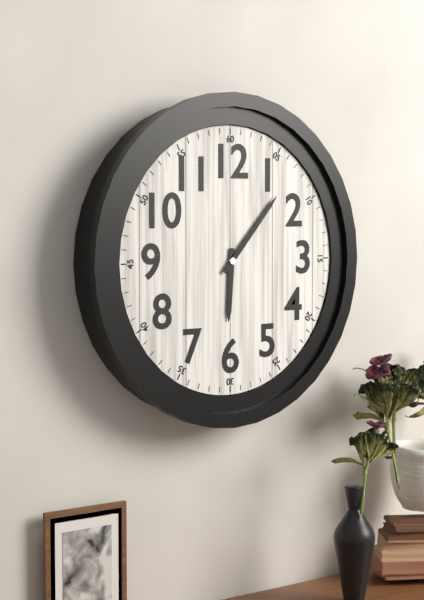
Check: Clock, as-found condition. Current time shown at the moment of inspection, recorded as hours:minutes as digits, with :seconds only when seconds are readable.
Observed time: 6:07
